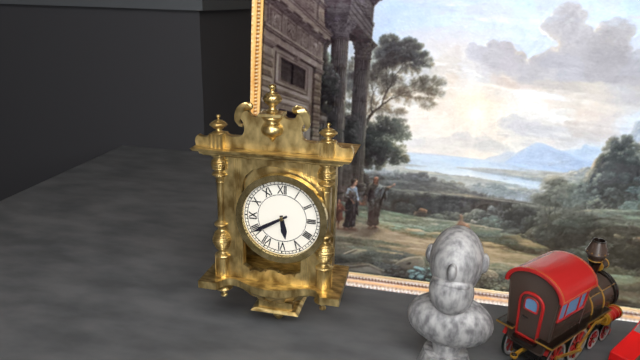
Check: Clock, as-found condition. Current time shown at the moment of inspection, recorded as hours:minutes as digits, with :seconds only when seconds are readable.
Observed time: 5:40
